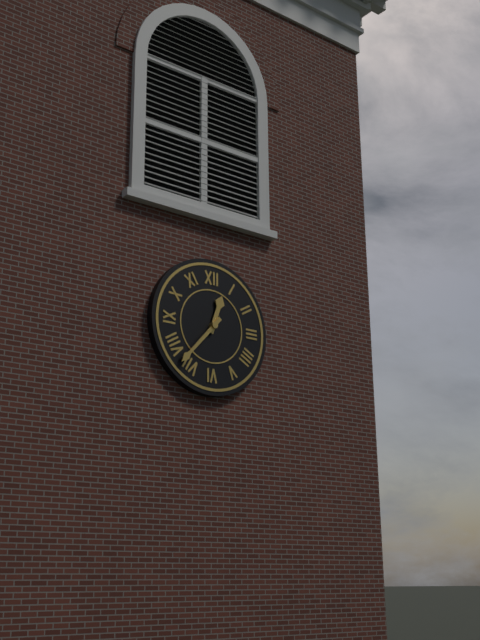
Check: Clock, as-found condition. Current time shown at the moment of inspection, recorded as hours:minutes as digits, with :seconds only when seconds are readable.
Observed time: 12:37
